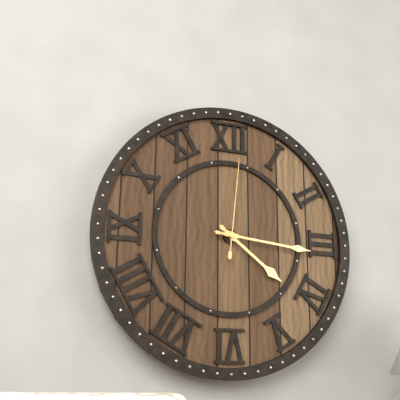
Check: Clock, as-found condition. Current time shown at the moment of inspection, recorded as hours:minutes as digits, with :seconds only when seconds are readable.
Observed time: 4:16:01
